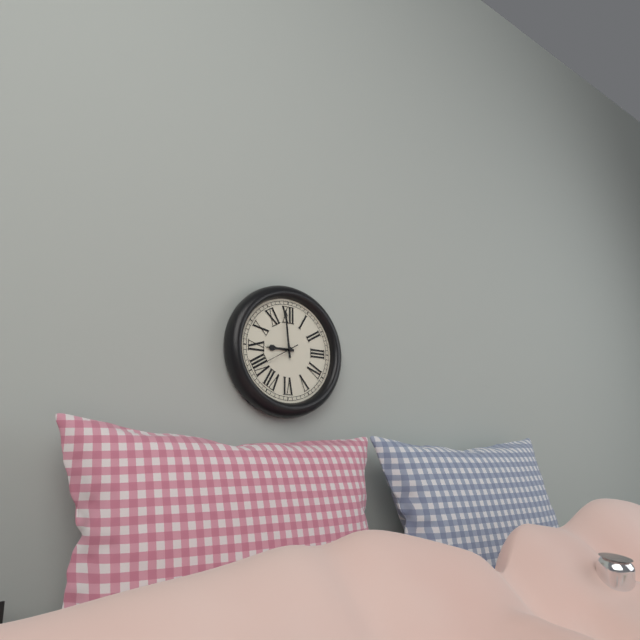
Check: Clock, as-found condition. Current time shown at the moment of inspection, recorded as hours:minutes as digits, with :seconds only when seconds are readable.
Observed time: 8:59
